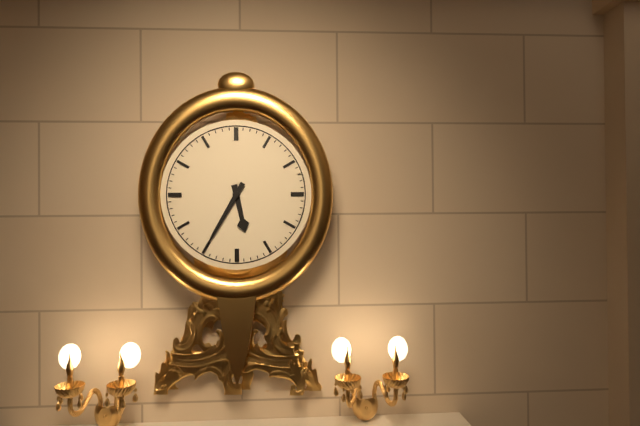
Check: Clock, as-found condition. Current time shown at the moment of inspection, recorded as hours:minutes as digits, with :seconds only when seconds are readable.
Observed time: 5:35
